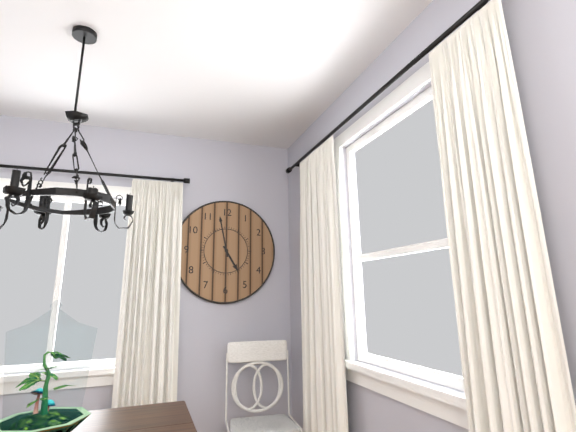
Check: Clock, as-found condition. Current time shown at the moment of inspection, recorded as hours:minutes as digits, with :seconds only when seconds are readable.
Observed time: 4:58
